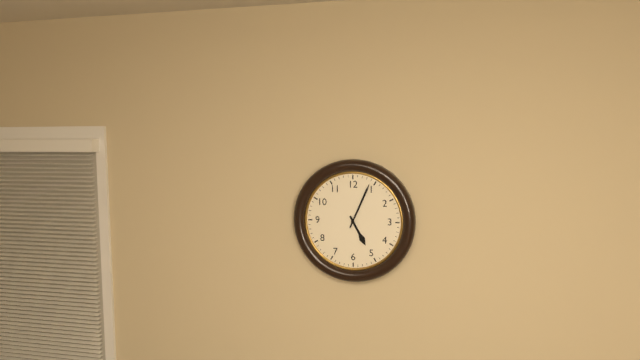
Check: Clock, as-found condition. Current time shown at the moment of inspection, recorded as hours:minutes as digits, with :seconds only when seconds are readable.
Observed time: 5:04
